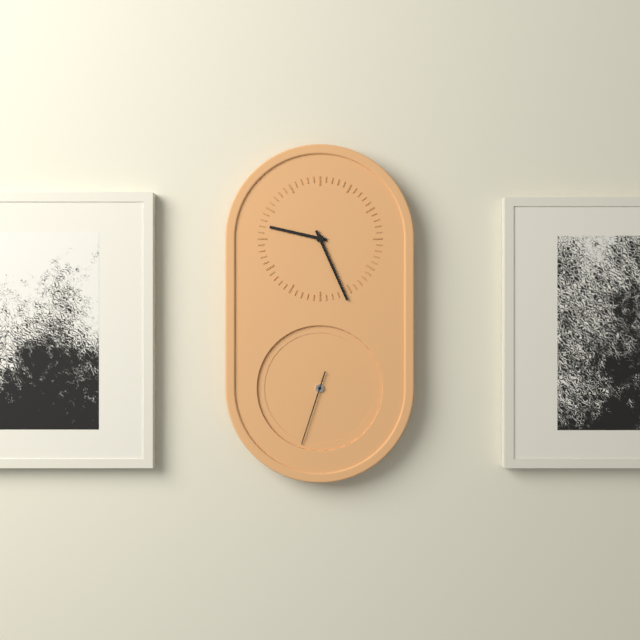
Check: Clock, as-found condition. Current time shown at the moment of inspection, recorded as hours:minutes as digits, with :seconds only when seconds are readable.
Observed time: 9:26:33
